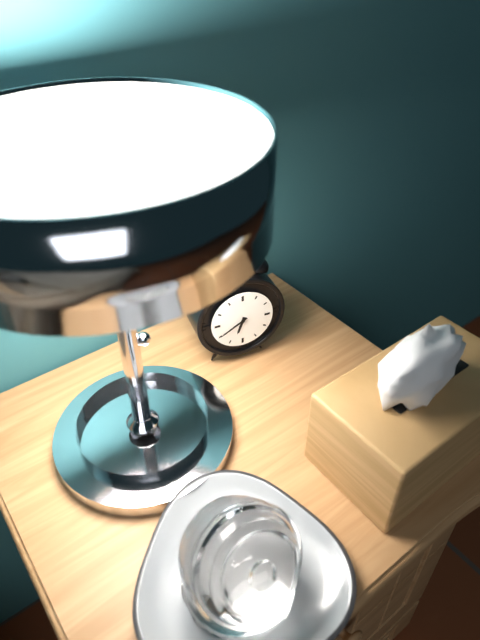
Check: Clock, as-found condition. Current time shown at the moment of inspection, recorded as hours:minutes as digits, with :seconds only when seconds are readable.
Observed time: 6:40
